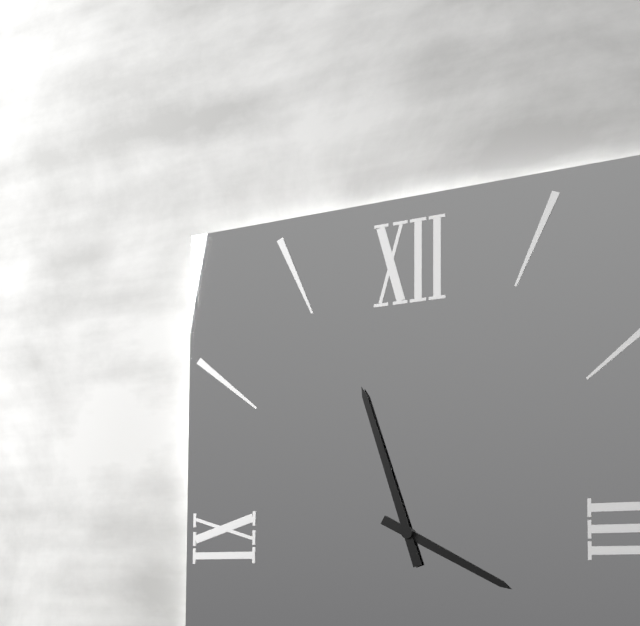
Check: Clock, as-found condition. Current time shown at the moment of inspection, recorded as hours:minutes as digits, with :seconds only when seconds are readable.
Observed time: 3:57
